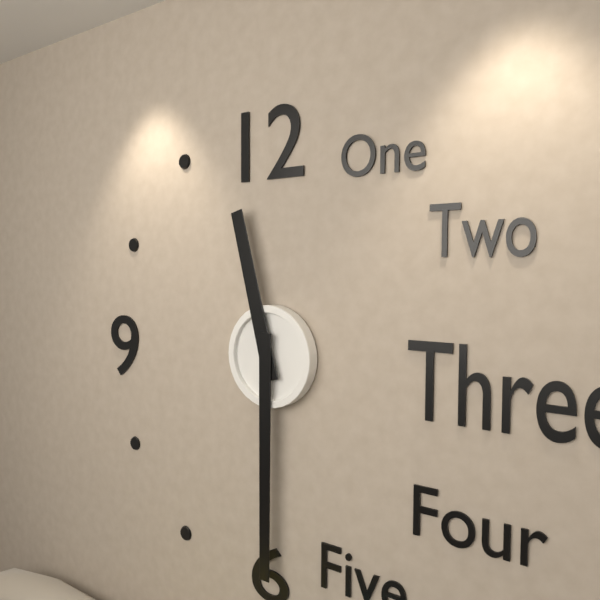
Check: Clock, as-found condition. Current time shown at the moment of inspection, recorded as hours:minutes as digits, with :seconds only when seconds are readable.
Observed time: 11:30
